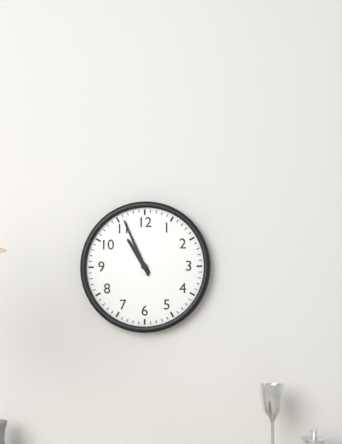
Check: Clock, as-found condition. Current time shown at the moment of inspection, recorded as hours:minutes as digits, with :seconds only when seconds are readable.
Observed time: 10:56
